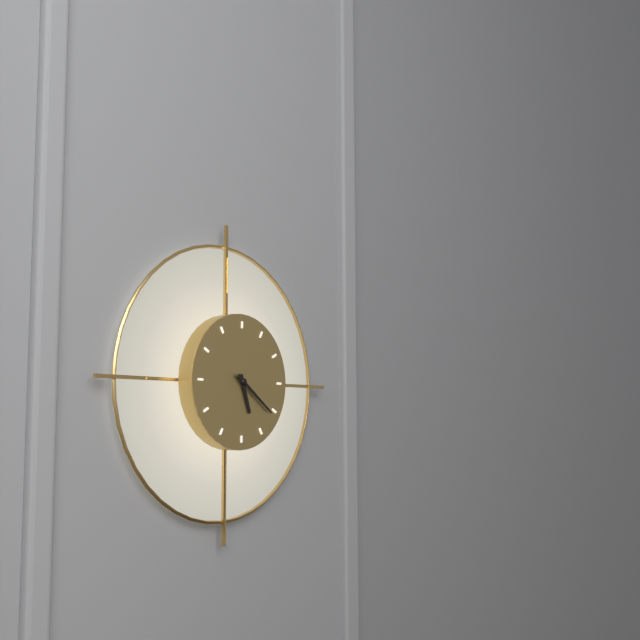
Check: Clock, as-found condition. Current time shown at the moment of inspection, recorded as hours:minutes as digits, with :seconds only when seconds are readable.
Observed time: 5:21
